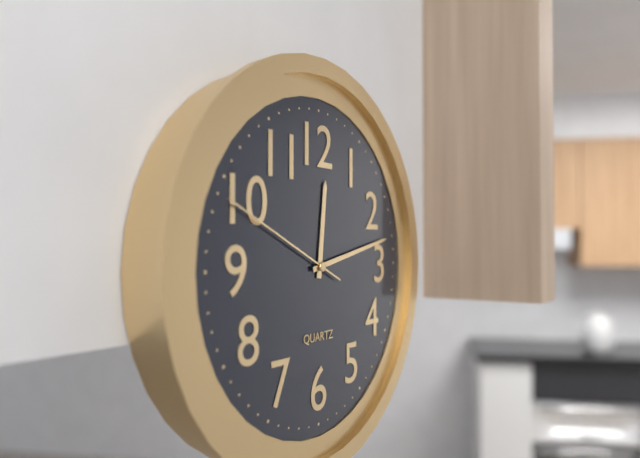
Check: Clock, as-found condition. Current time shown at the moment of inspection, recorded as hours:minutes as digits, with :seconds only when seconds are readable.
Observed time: 12:13:49
